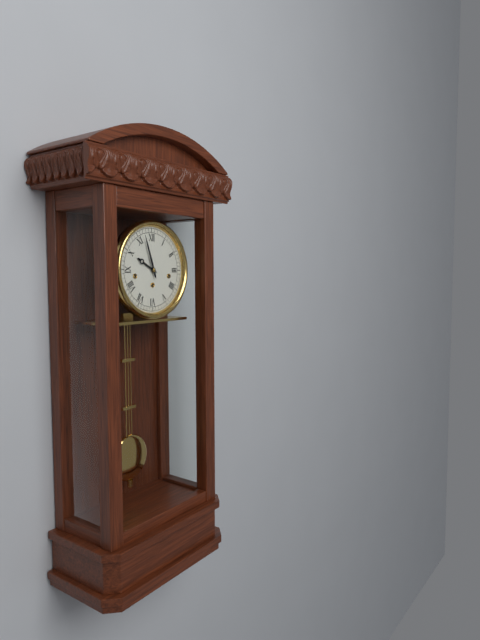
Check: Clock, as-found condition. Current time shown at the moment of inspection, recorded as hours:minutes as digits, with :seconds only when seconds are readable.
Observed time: 9:57
